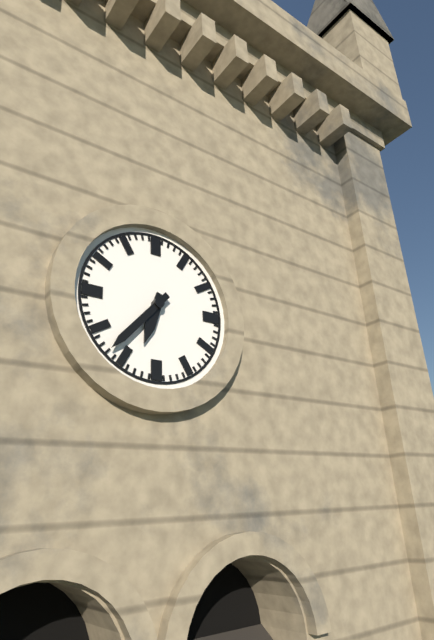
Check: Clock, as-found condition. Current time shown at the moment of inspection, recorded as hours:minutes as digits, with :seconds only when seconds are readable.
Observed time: 6:37
